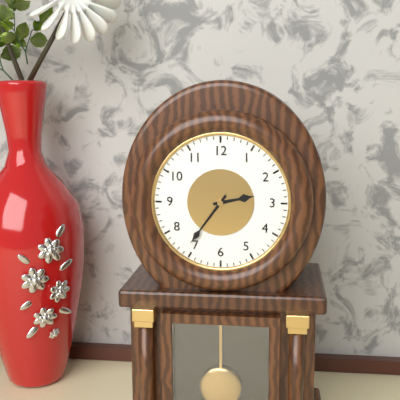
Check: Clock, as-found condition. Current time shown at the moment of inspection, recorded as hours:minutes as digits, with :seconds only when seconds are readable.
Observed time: 2:36
